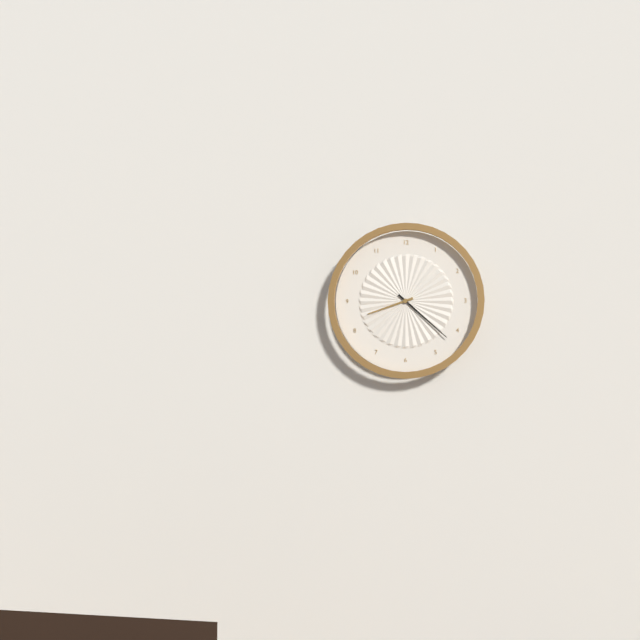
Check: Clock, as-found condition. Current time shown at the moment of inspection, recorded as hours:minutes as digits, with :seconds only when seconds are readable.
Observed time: 8:22
